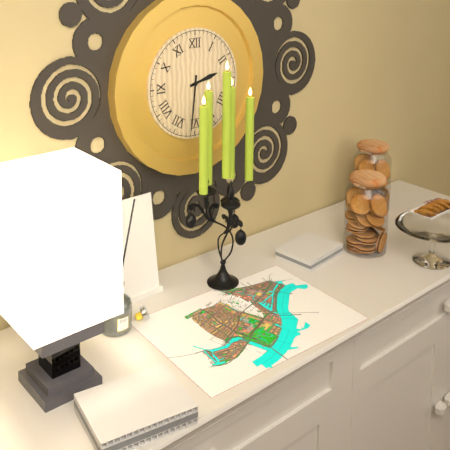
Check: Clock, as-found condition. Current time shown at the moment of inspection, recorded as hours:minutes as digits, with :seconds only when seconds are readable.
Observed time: 2:31
